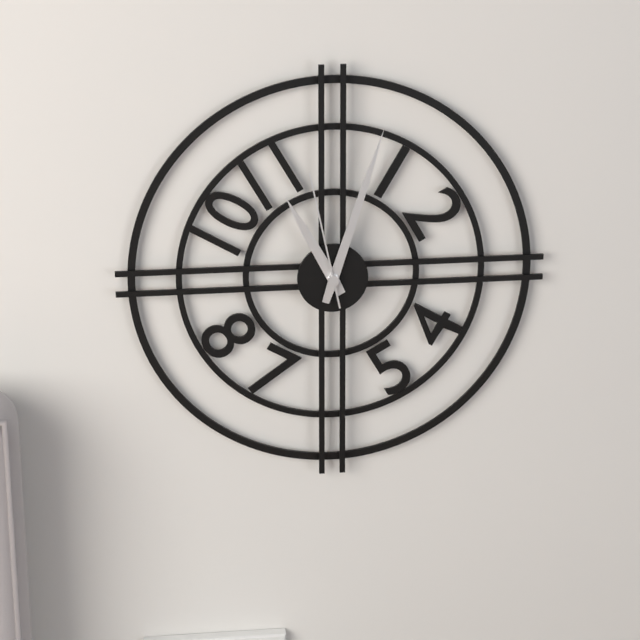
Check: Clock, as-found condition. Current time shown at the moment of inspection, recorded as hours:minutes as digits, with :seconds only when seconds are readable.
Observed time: 11:03:58
